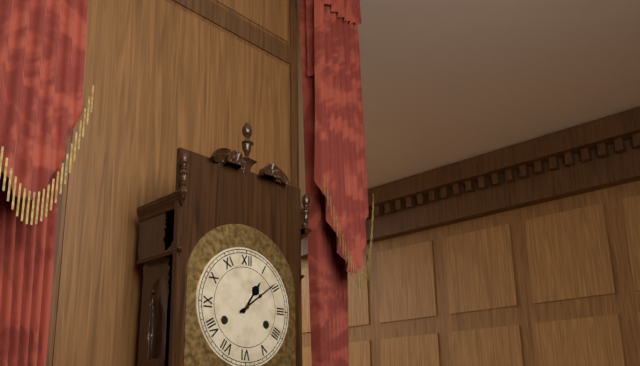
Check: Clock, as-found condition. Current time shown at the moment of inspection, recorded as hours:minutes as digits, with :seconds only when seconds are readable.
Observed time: 1:09
